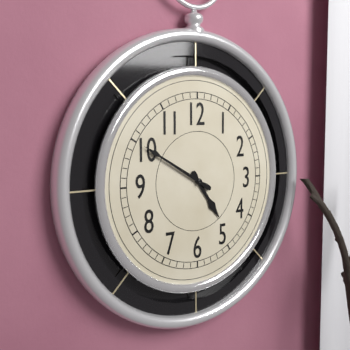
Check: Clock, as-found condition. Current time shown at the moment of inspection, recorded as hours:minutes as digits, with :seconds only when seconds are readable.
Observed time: 4:50
